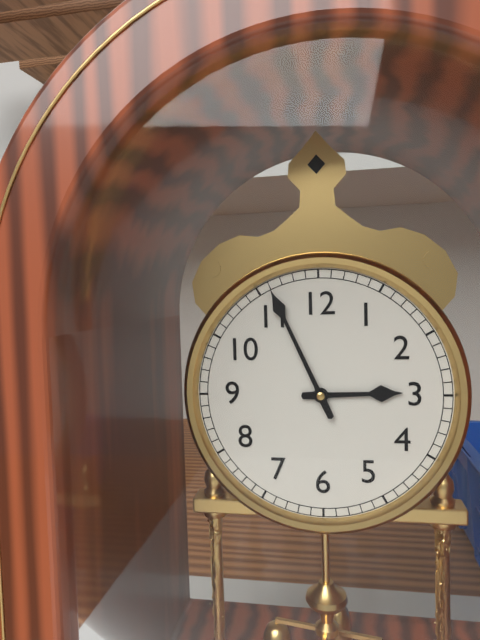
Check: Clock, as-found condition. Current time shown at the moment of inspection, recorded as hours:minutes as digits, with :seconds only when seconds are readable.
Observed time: 2:56
